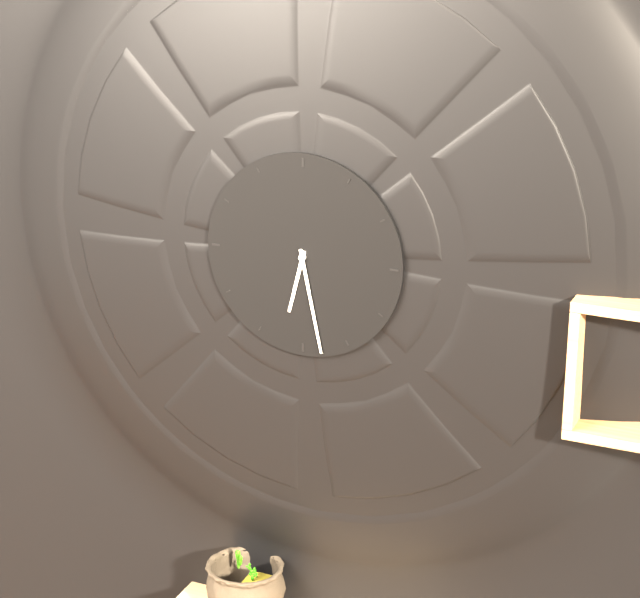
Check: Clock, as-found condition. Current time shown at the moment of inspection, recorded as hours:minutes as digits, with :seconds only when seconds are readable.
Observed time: 6:28
